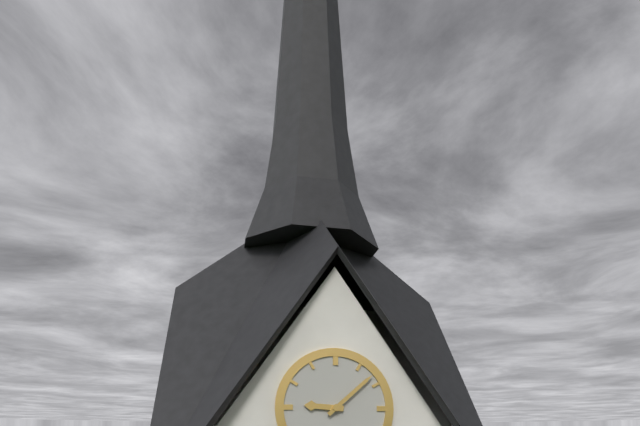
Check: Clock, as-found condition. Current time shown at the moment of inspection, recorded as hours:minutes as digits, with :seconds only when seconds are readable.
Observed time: 9:08
